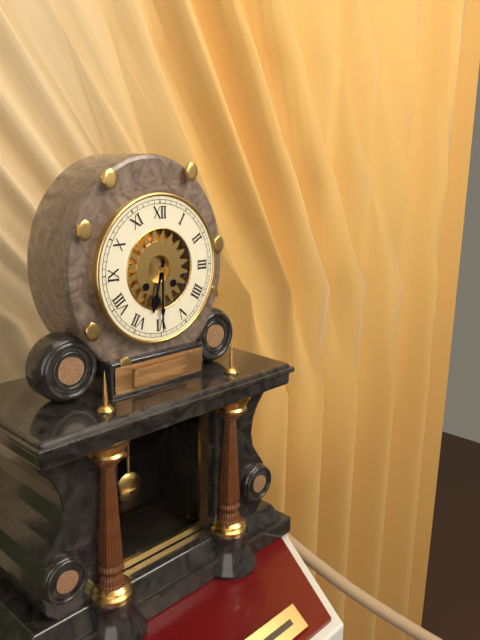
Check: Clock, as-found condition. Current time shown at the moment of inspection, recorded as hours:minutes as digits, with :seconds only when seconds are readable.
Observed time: 6:30
